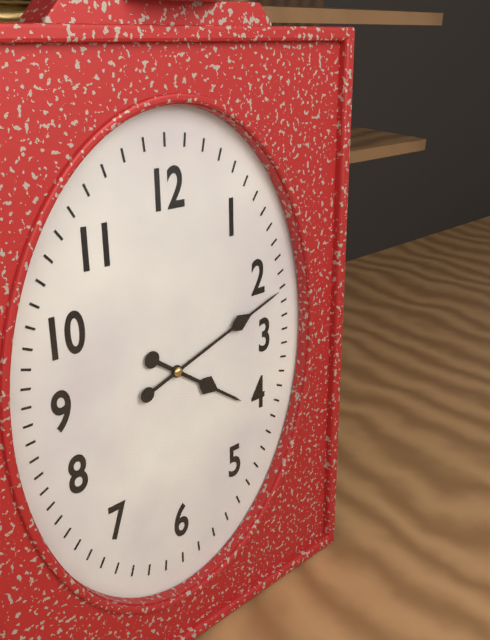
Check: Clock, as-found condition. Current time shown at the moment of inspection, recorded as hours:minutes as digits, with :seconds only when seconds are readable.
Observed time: 4:12
